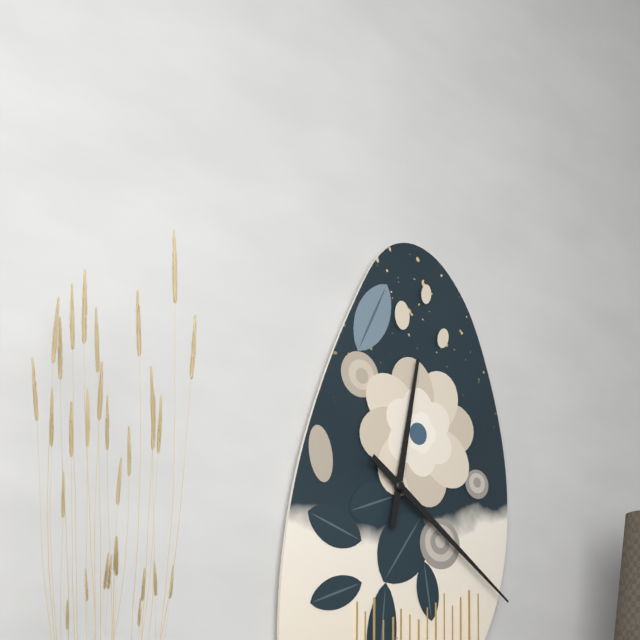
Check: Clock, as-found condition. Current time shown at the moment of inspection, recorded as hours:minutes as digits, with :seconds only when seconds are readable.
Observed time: 12:21
